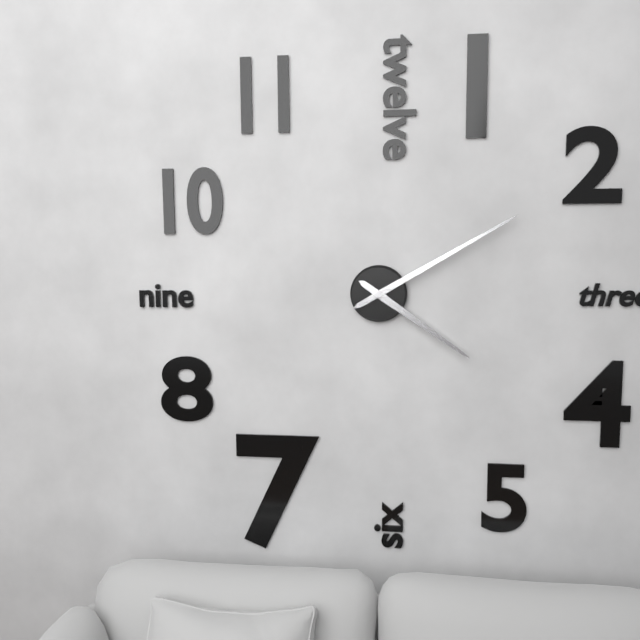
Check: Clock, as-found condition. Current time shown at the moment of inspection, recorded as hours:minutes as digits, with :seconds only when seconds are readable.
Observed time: 4:10
